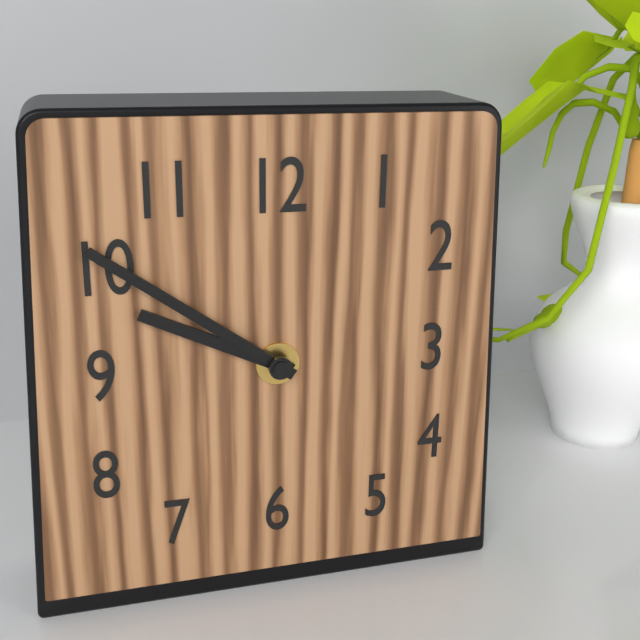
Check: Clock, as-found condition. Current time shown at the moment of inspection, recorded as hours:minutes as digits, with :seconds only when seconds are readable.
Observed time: 9:51
